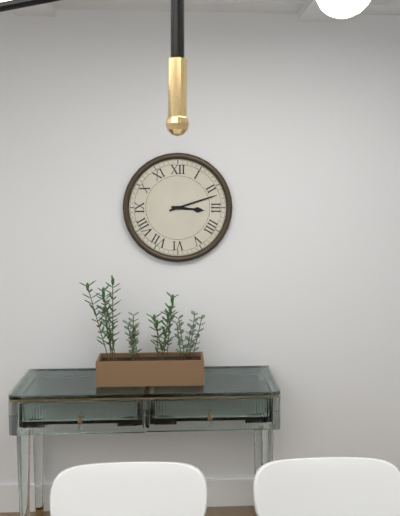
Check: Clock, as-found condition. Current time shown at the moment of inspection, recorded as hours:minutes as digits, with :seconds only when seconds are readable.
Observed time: 3:12
